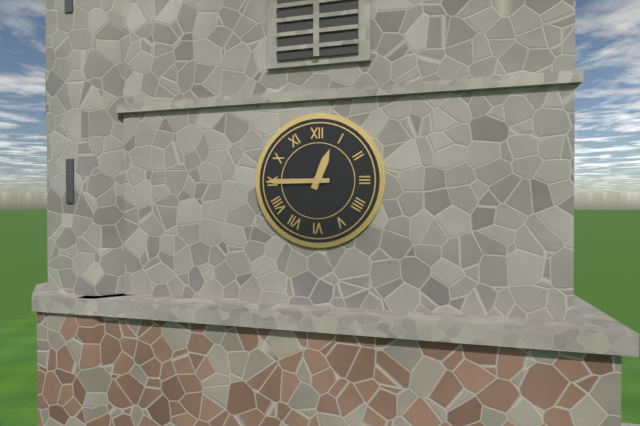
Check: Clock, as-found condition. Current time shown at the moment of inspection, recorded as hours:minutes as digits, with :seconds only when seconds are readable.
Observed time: 12:45
